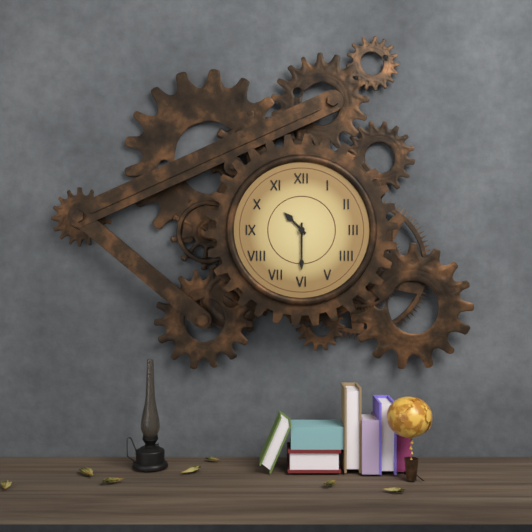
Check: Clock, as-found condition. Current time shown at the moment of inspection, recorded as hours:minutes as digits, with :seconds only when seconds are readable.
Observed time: 10:30
